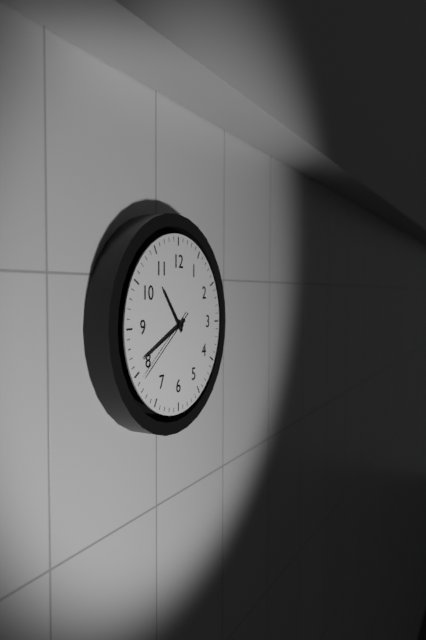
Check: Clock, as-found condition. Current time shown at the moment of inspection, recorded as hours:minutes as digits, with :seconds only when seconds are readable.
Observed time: 10:41:39
